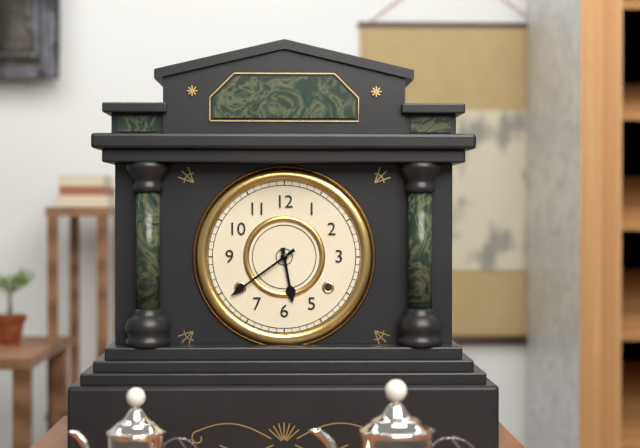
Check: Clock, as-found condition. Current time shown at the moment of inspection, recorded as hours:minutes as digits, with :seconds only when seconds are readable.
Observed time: 5:39
